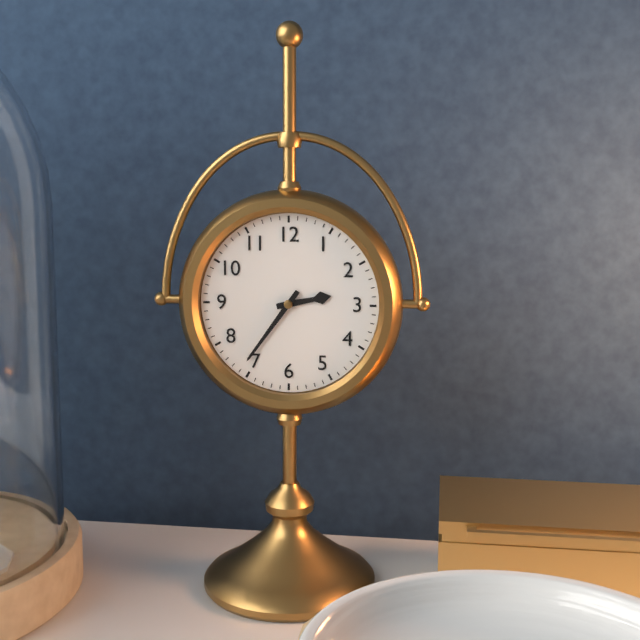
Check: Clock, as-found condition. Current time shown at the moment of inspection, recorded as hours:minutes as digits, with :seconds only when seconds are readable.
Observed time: 2:36
